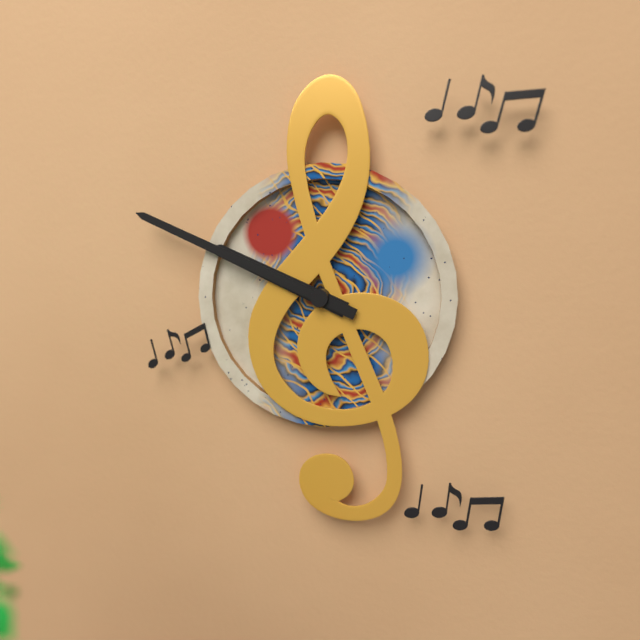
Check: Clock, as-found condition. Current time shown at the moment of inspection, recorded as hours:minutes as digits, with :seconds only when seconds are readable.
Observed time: 9:49
